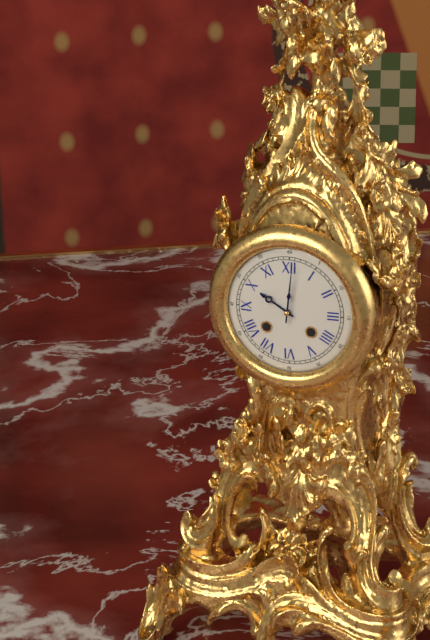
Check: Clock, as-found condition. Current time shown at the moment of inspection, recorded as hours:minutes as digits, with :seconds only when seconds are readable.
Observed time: 10:01
